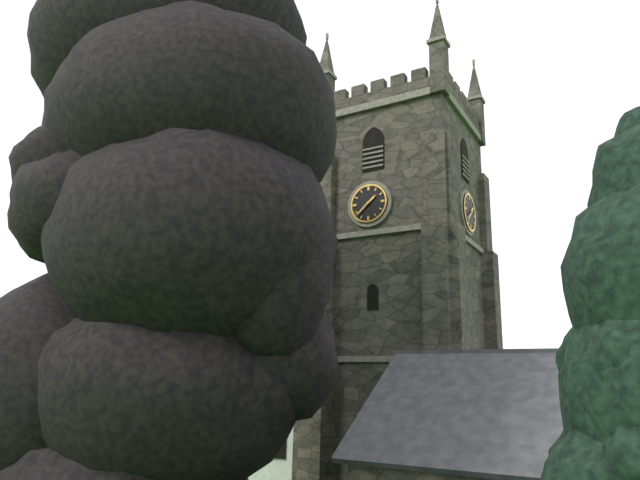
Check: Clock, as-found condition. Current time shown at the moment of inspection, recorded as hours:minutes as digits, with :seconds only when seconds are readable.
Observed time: 1:38
